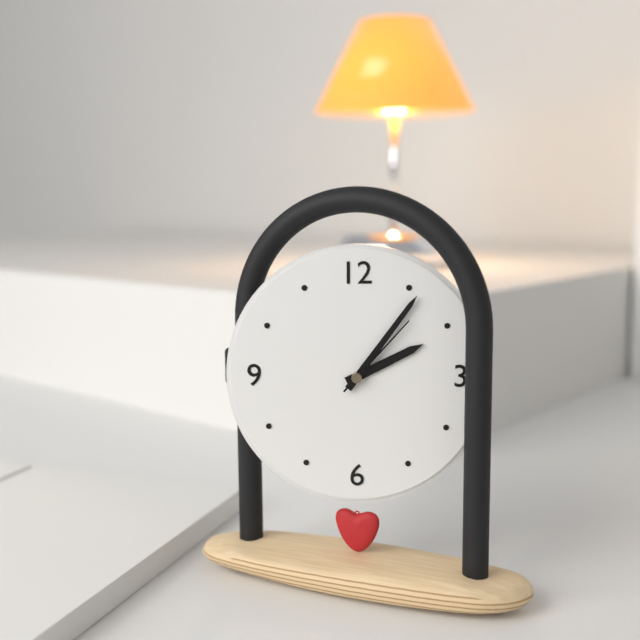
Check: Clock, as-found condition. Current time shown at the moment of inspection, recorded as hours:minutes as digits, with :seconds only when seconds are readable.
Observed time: 2:06:07
